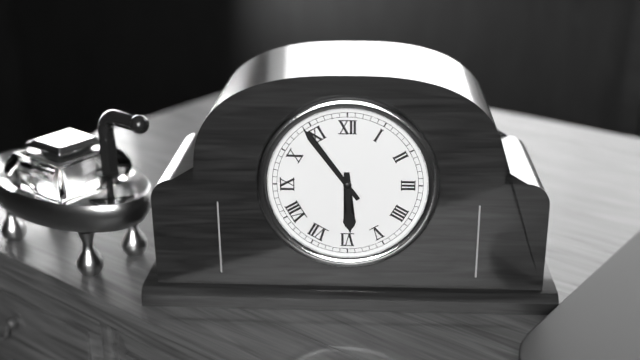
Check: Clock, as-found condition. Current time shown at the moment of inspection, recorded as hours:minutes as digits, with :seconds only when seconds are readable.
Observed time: 5:54
